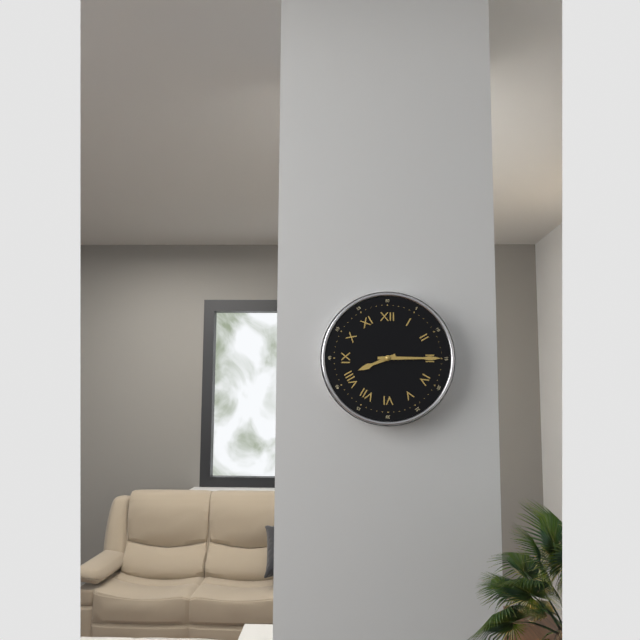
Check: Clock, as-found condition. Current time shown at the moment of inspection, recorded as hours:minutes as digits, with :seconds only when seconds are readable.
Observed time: 8:15
